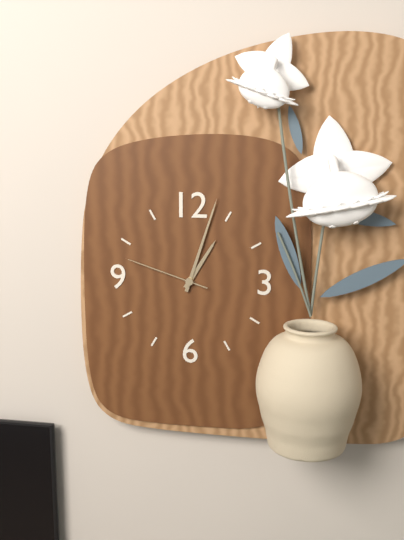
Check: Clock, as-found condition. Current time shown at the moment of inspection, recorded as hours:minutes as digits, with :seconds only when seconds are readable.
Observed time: 1:03:48
